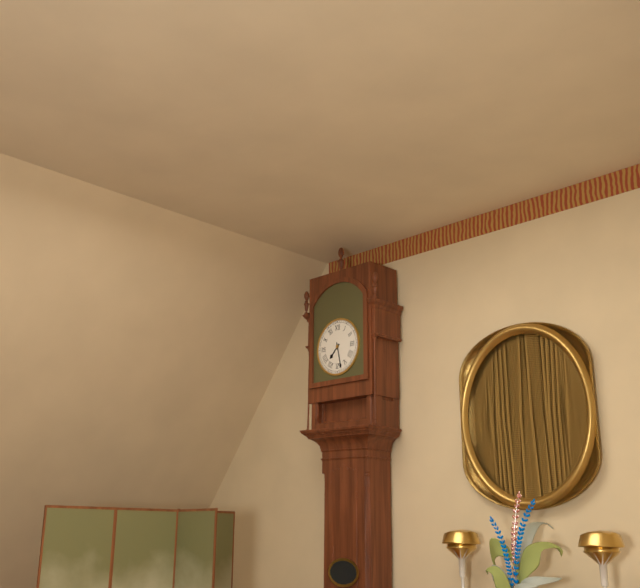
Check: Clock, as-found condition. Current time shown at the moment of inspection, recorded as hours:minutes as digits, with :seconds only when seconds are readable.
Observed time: 7:28
